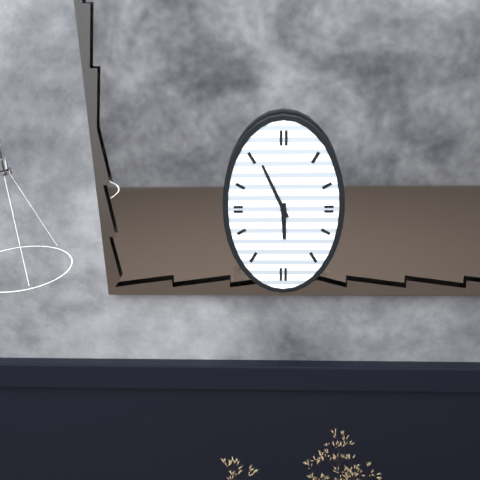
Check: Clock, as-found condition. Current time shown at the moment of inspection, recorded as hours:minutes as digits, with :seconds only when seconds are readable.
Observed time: 5:56
